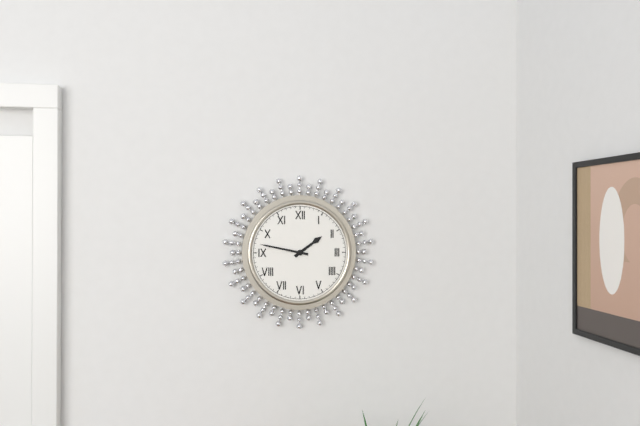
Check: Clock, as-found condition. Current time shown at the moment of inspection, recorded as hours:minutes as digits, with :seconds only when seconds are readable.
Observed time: 1:47
